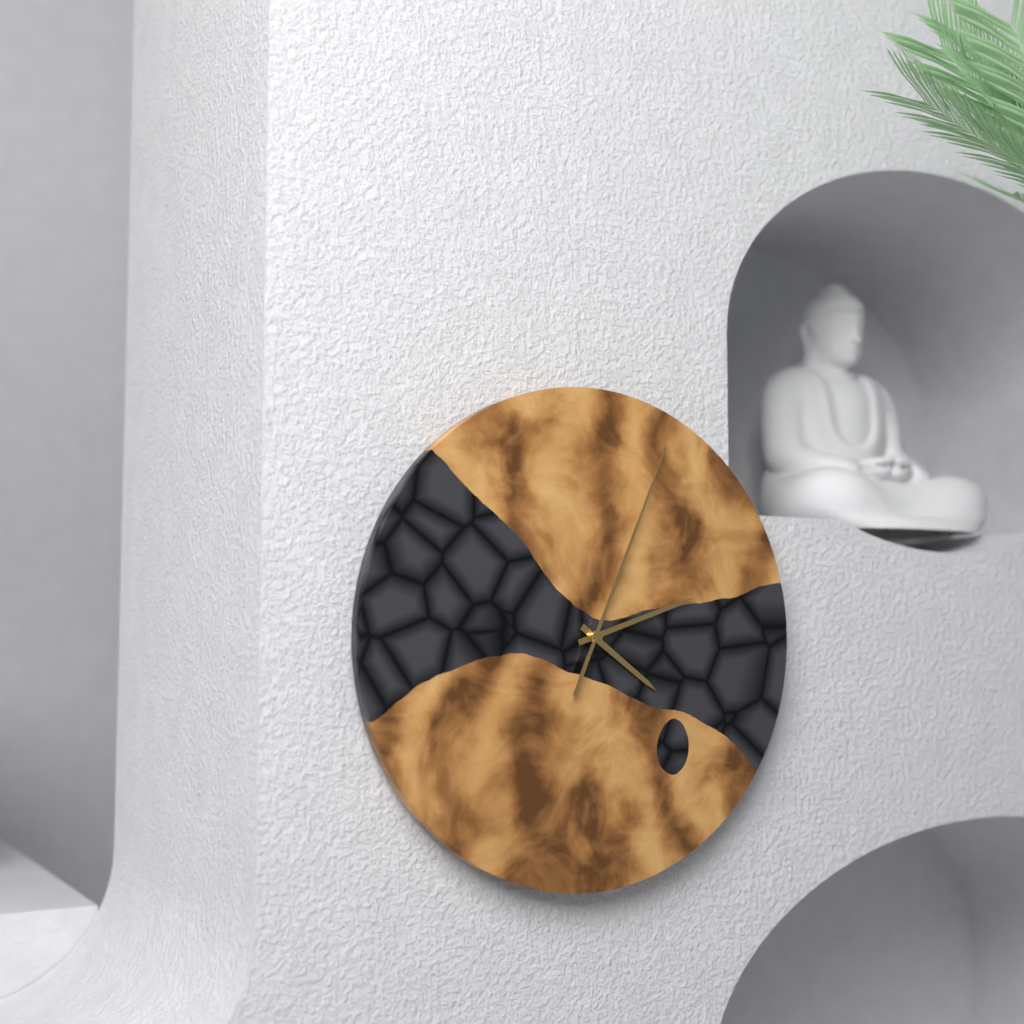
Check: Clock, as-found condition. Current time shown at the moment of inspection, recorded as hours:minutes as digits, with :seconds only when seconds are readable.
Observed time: 4:12:04
